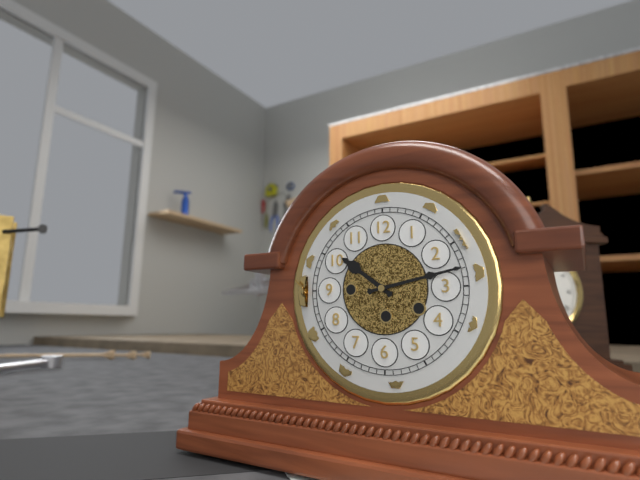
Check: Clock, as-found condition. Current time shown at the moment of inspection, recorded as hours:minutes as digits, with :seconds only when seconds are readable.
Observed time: 10:13
